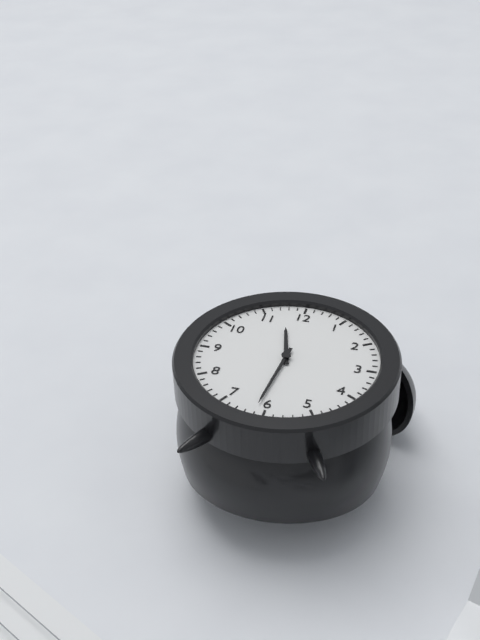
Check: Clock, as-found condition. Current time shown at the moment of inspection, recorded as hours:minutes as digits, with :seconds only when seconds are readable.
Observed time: 11:31
